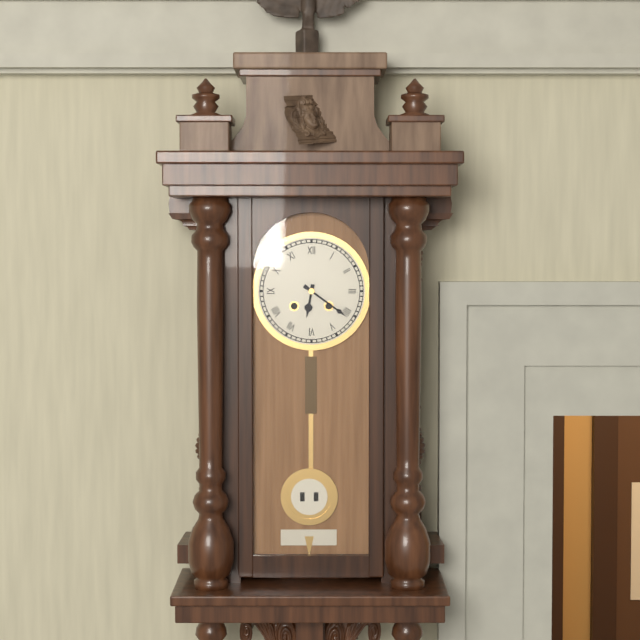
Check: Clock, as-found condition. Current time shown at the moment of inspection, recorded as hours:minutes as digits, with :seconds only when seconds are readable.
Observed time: 6:21
